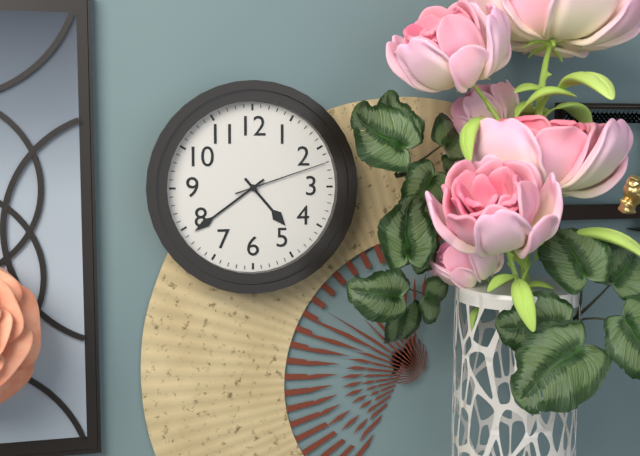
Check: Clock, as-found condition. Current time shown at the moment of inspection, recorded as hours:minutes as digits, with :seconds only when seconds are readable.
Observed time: 4:39:12
